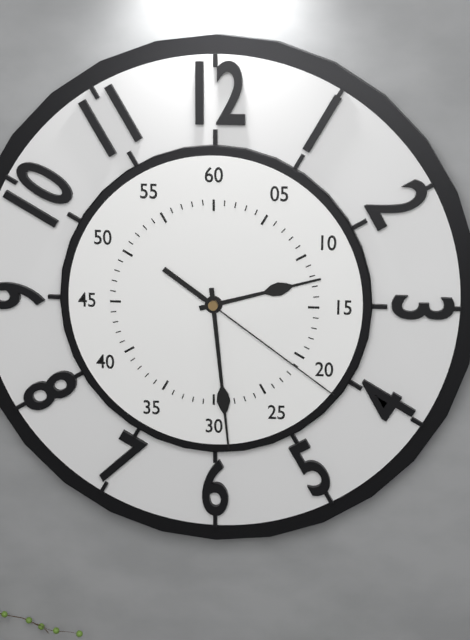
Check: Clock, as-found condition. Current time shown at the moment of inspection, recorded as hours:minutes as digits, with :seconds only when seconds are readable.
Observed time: 2:29:21
